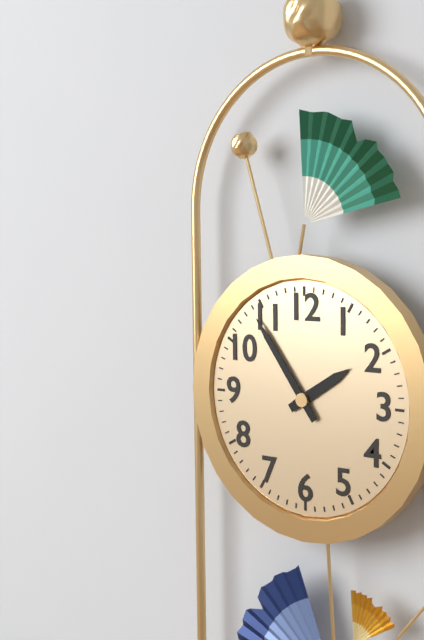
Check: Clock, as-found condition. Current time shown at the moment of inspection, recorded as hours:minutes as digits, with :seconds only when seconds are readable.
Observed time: 1:54
